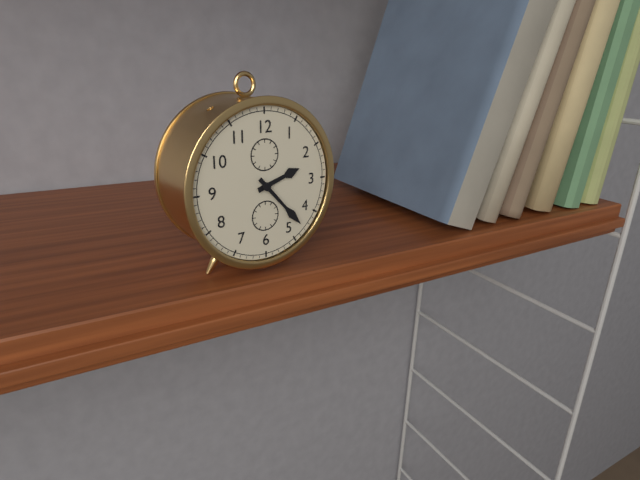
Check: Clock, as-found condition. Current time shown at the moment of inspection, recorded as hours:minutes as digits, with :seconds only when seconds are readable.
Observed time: 2:23
